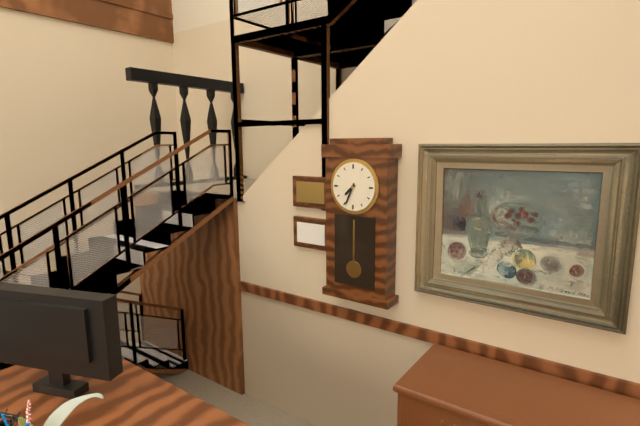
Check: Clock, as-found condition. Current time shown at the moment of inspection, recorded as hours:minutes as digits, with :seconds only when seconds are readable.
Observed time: 7:34
